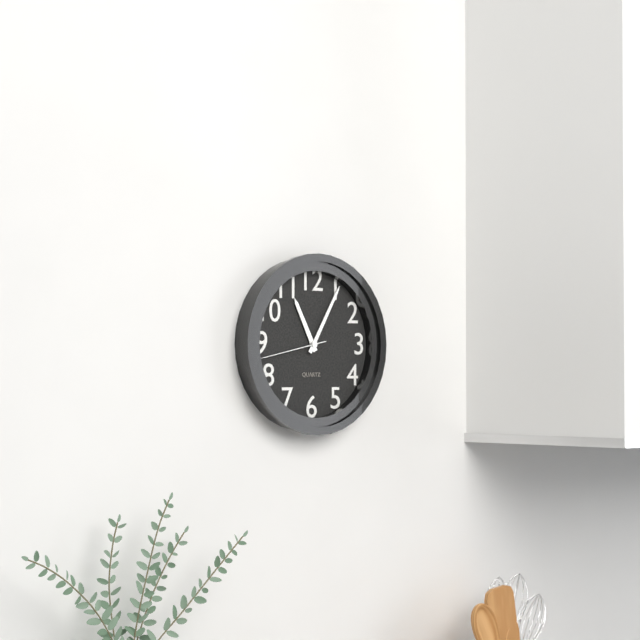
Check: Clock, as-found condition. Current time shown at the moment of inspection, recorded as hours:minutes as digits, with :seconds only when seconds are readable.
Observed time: 11:05:43
